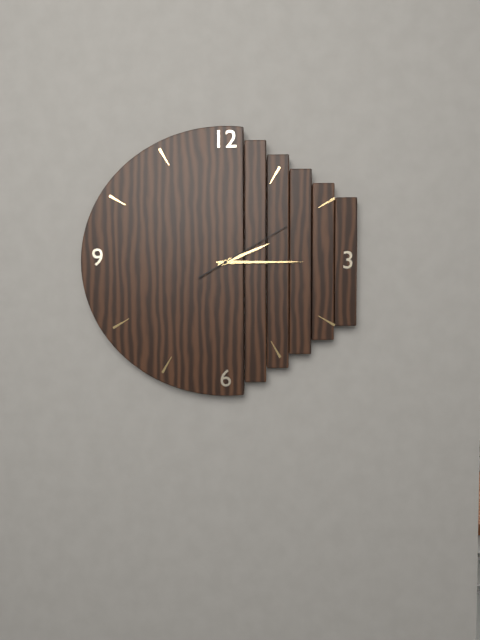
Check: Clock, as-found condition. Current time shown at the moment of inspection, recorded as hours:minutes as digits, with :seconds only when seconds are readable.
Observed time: 2:15:10
